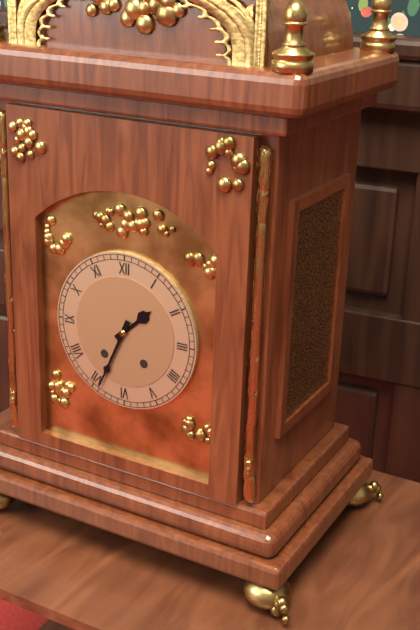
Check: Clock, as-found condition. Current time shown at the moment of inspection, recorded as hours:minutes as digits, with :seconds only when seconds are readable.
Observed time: 1:34
